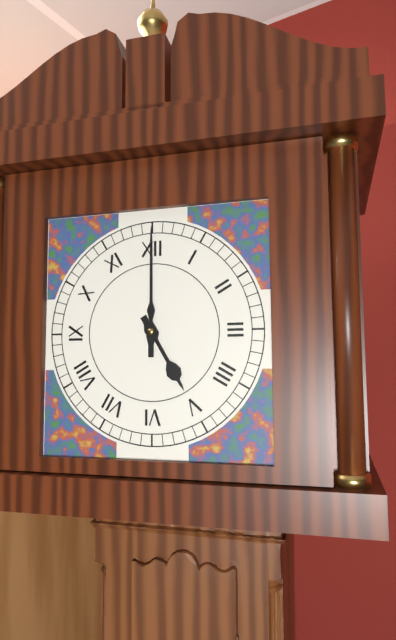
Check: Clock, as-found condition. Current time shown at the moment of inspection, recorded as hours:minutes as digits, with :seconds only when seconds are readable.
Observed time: 5:00
